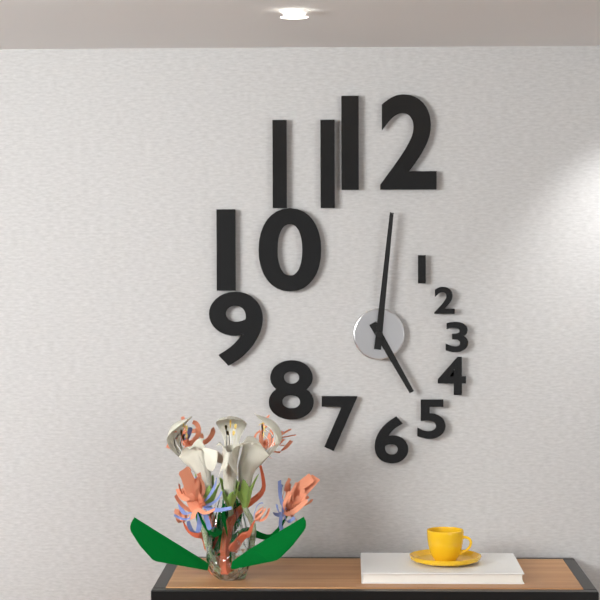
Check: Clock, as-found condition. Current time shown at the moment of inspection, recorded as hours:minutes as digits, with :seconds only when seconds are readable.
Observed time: 5:01
